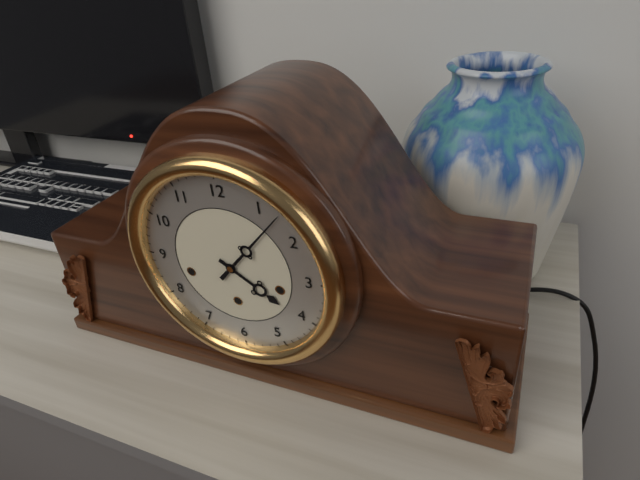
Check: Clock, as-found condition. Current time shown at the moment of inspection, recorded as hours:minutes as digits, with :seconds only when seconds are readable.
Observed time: 4:07
